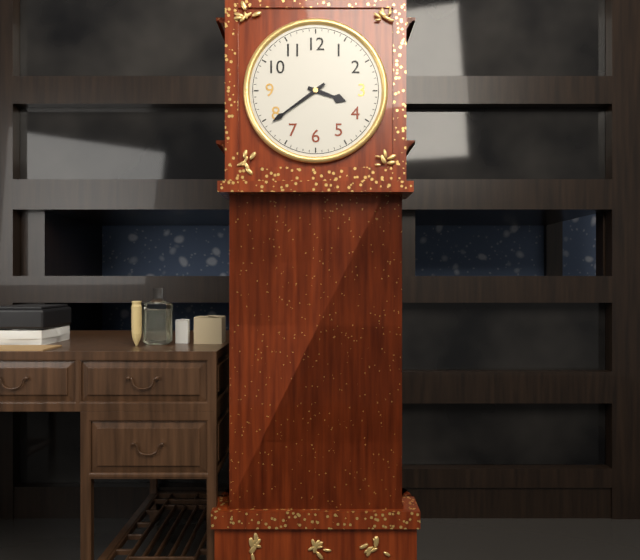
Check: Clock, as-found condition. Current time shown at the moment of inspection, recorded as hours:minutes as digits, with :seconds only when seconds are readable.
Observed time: 3:39
